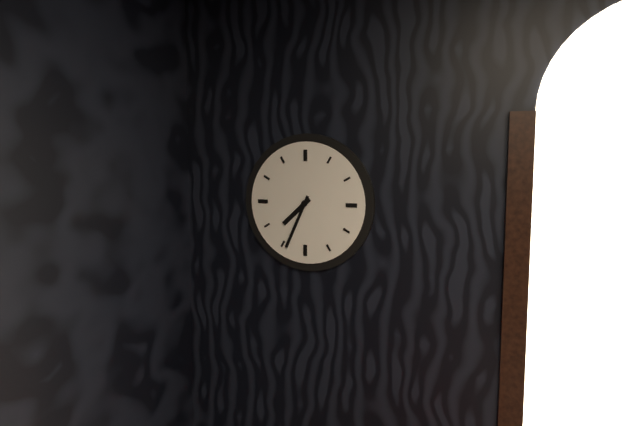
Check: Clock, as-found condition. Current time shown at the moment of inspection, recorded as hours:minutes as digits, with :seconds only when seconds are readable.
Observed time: 7:34
